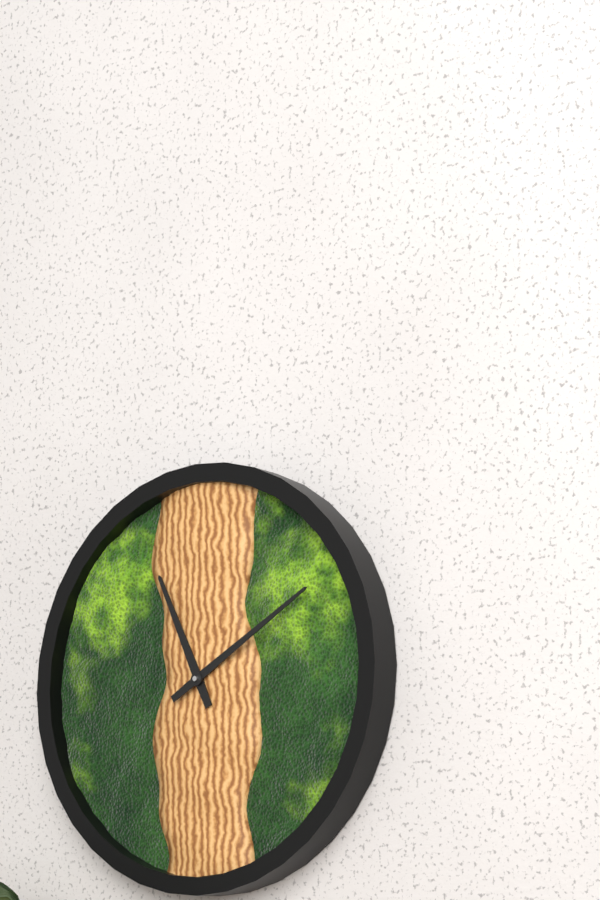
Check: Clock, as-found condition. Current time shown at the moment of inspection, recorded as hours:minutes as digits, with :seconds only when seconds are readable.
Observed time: 11:10
